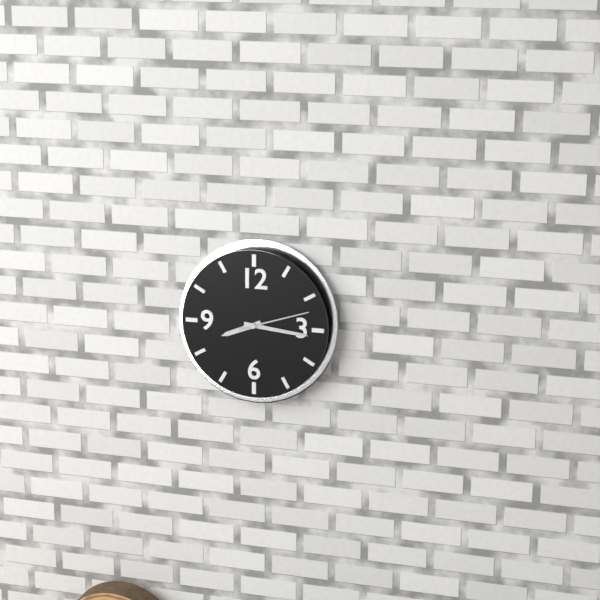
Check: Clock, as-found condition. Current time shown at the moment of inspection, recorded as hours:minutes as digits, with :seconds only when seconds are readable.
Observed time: 8:16:12
